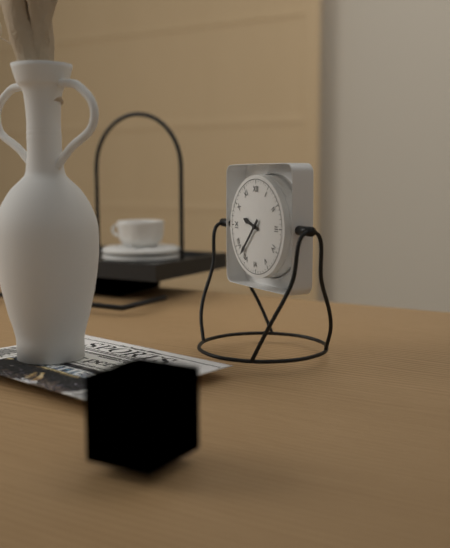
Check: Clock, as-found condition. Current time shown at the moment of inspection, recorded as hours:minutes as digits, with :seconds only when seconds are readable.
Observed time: 9:37
